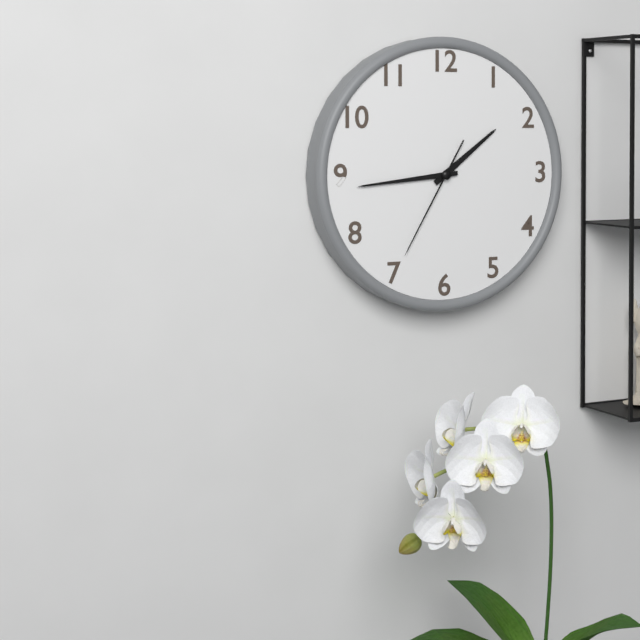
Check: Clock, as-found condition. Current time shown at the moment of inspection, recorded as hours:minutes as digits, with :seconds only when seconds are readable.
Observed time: 1:44:35
